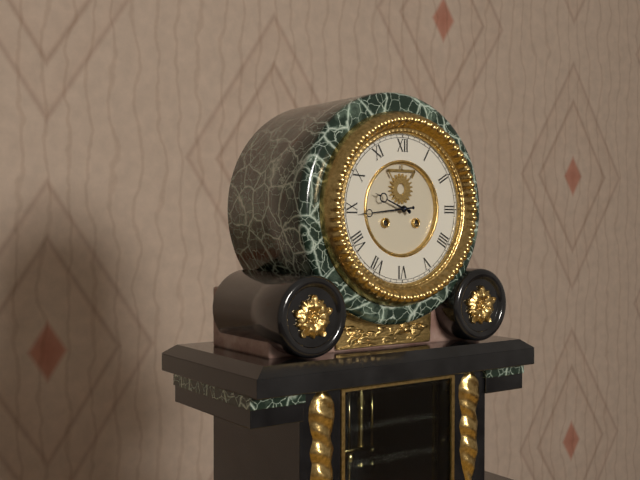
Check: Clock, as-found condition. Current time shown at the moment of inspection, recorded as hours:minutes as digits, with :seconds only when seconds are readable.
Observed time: 9:44
